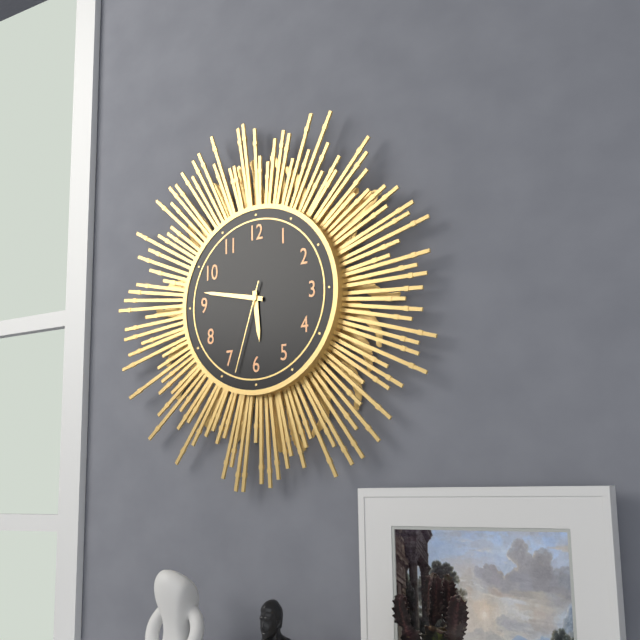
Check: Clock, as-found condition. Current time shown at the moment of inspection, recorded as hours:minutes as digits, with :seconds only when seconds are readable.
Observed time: 5:47:33
